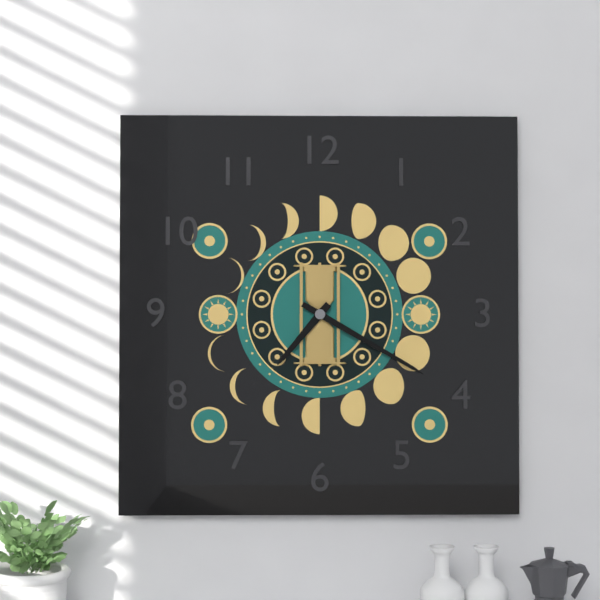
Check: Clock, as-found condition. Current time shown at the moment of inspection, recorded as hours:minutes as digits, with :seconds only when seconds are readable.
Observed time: 7:20
